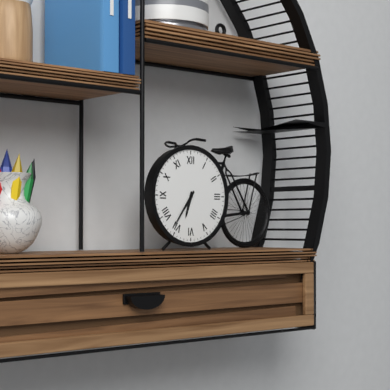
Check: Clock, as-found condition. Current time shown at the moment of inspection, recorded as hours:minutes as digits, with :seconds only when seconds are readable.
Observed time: 6:36
